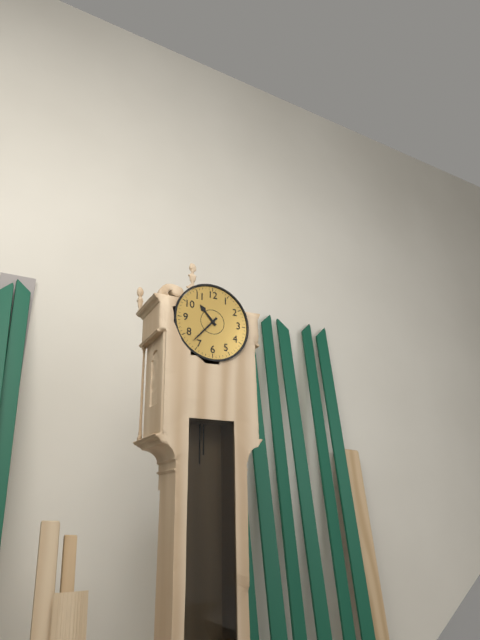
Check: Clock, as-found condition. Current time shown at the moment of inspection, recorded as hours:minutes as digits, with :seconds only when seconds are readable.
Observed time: 10:37
